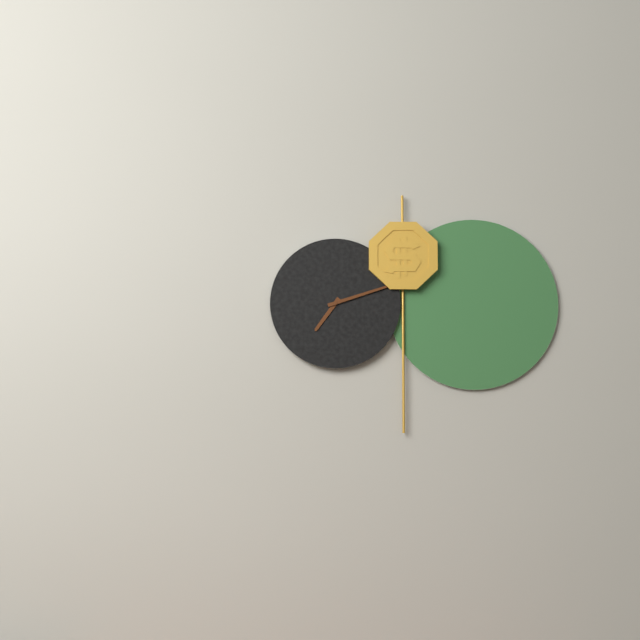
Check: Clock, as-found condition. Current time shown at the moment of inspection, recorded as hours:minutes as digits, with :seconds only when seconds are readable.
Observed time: 7:12
